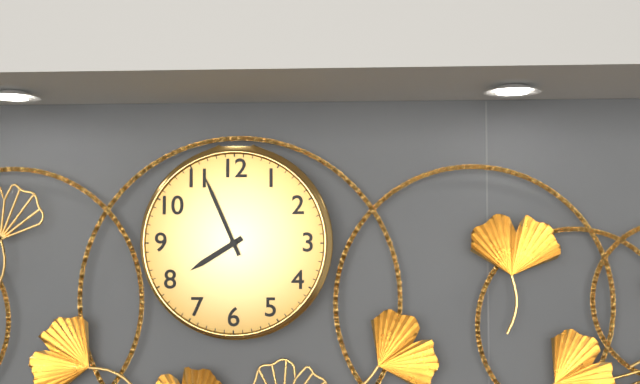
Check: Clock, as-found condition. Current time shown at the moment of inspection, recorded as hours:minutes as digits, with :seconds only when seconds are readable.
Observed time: 7:56
